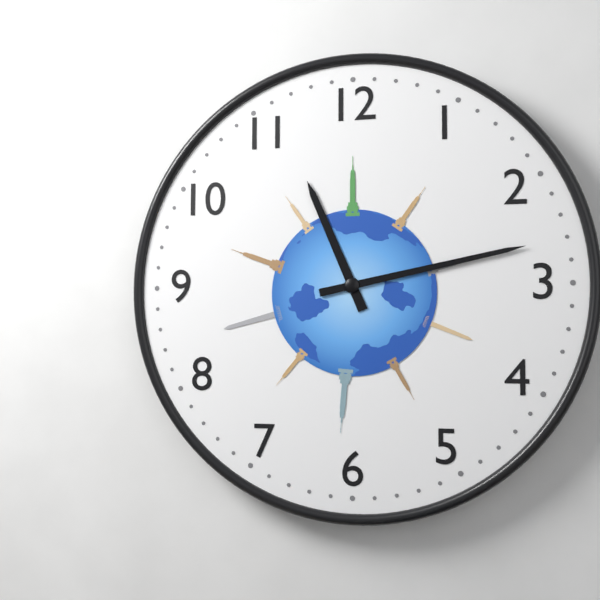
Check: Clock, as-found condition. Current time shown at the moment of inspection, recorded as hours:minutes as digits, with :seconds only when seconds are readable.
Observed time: 11:13
